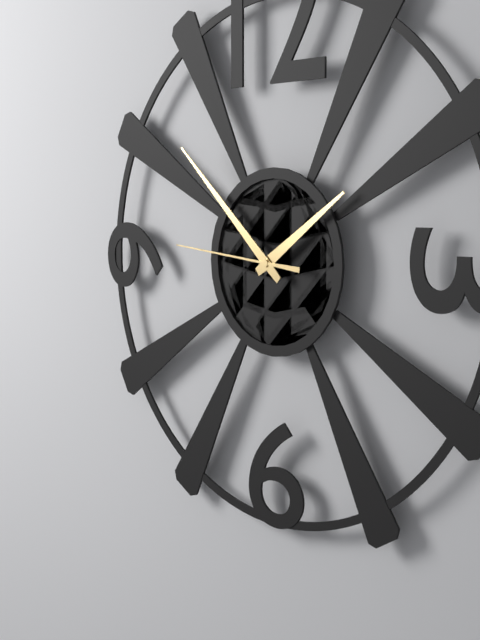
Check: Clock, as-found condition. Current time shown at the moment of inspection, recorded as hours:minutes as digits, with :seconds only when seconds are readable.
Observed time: 1:52:46
